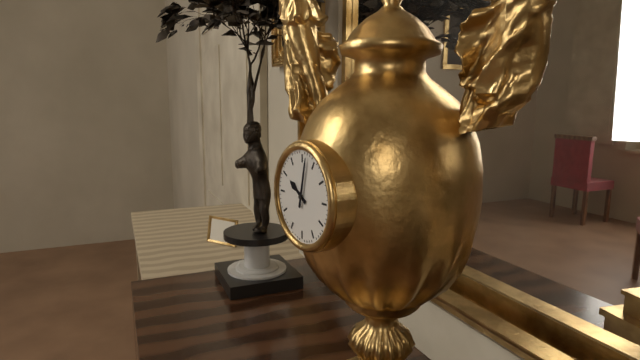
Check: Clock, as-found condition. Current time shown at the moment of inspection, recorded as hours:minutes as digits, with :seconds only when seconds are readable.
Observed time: 10:02
